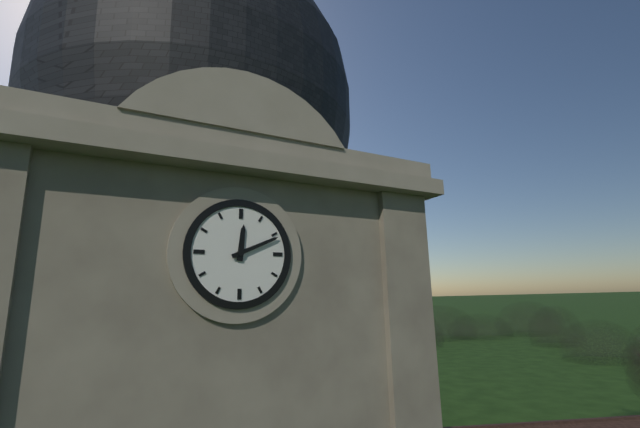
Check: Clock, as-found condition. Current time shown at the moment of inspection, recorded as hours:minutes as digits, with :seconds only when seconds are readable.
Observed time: 12:11
